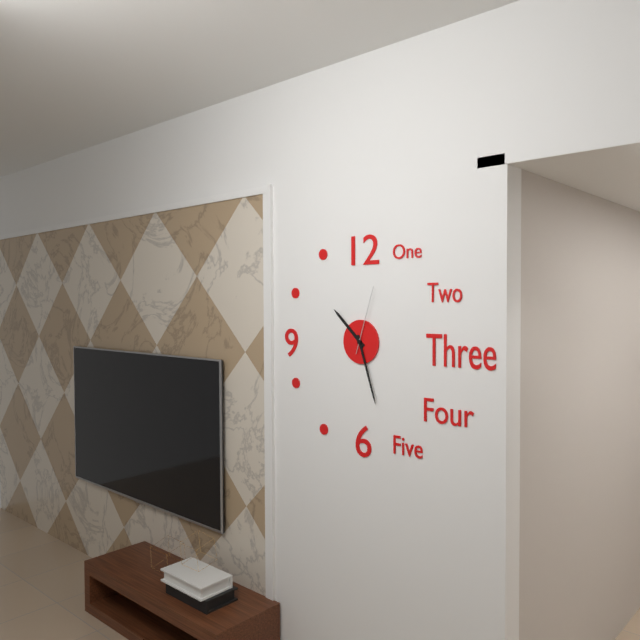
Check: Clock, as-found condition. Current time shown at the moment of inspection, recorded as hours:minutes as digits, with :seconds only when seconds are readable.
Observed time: 10:27:03
